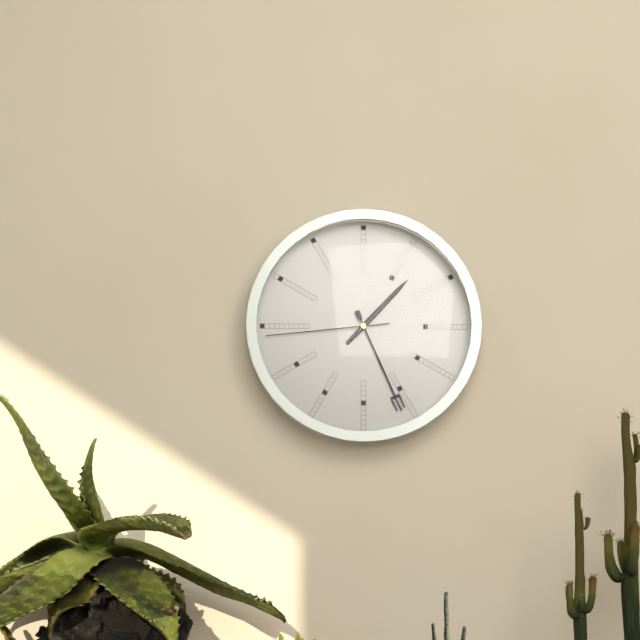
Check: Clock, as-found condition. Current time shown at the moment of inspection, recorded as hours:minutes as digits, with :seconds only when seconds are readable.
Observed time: 1:26:44
